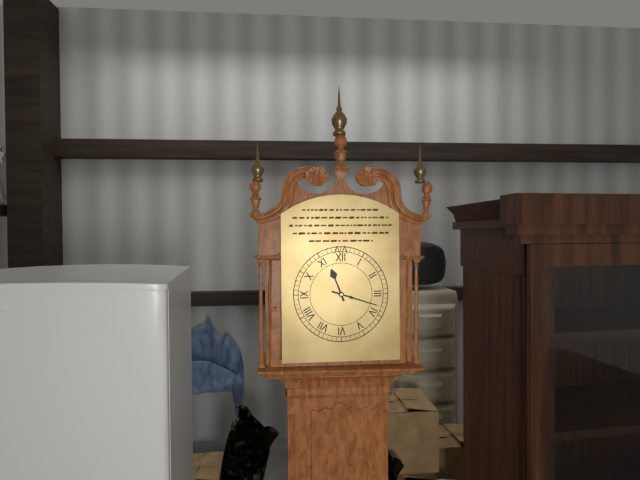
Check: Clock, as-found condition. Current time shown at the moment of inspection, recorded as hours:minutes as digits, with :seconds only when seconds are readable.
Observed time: 11:18
